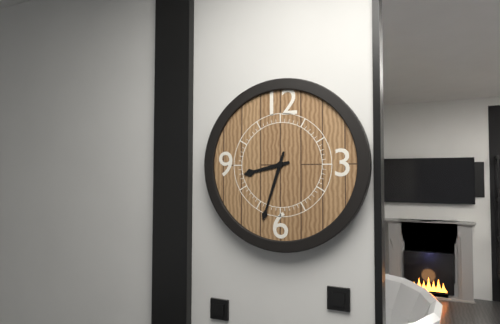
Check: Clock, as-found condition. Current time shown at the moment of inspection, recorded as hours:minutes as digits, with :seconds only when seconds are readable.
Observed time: 8:33
